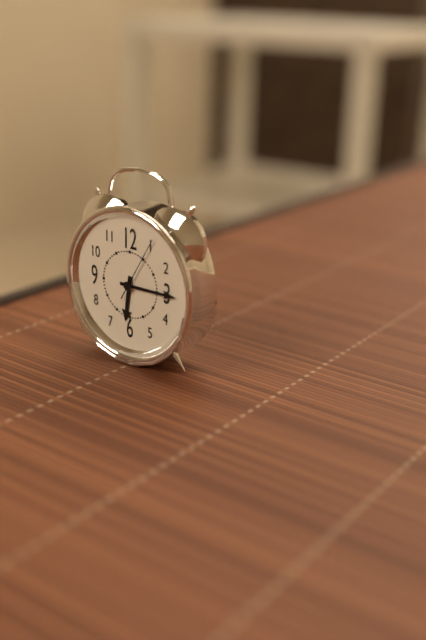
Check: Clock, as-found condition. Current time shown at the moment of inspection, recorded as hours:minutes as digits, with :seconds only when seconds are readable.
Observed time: 6:15:05
